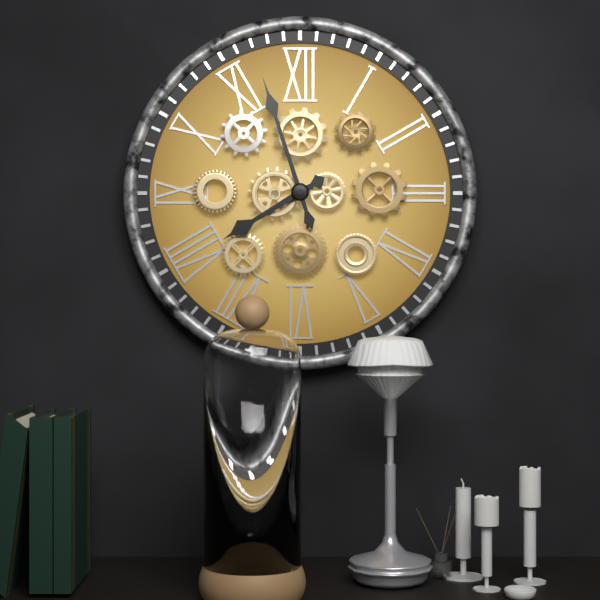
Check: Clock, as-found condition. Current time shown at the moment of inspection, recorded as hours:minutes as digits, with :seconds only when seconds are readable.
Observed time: 7:57
